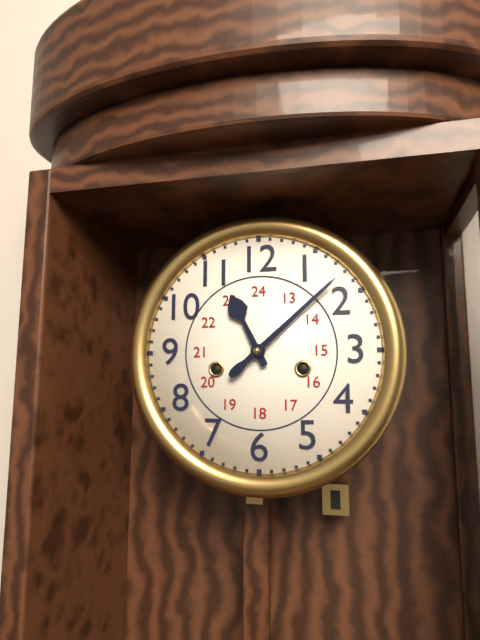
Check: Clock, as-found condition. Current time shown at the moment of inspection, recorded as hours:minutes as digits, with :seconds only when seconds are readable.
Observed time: 11:08
